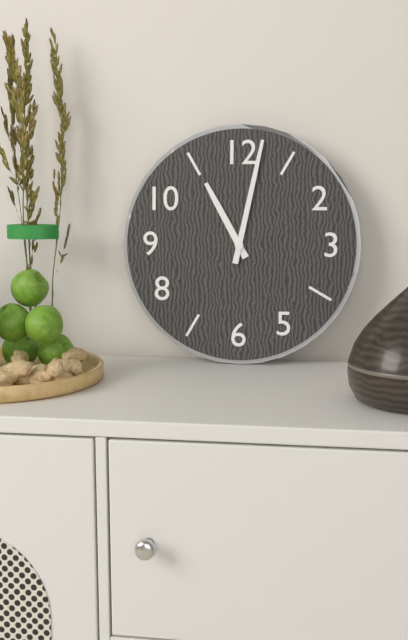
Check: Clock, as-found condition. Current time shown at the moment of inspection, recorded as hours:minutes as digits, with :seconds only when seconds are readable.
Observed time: 11:02
